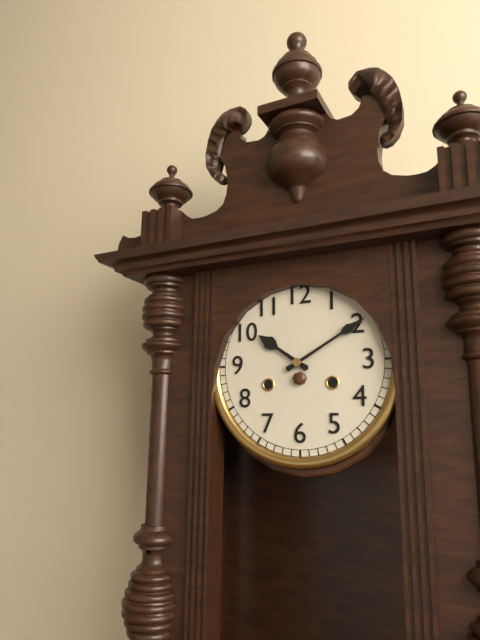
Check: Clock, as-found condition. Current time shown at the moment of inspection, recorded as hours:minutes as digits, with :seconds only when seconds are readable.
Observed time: 10:10
